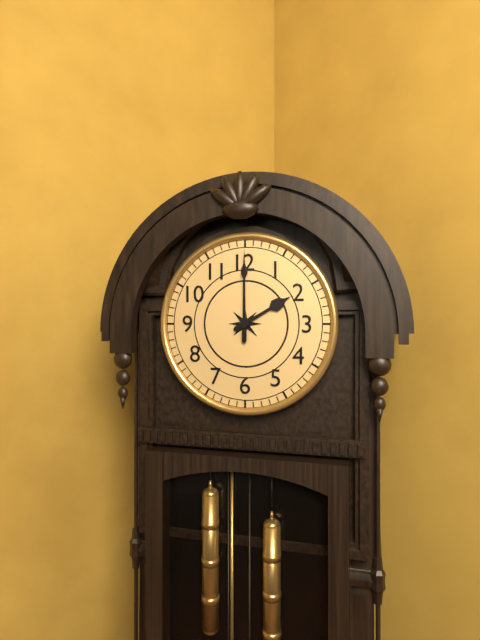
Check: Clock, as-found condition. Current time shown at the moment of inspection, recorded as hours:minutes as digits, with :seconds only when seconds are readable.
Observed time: 2:00
